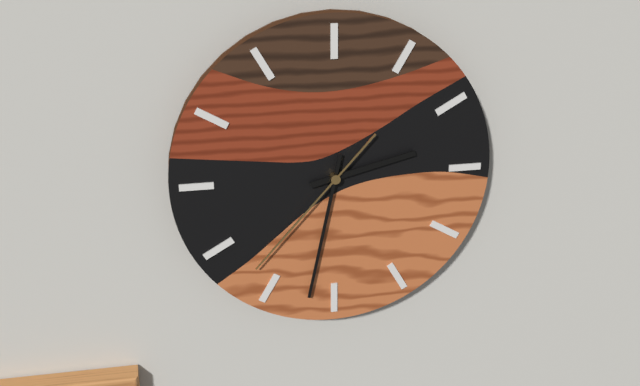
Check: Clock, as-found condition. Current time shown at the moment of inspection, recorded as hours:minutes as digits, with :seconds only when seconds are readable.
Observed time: 2:32:37
